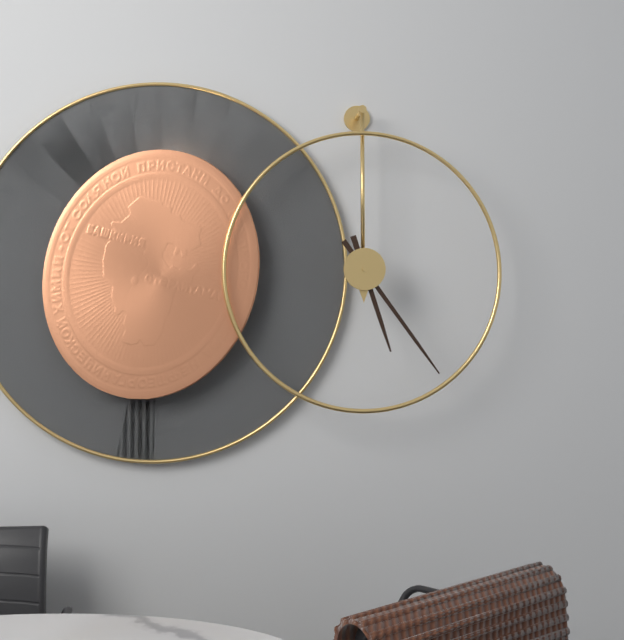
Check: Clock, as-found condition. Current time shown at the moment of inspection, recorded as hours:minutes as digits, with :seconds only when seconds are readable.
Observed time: 5:24
